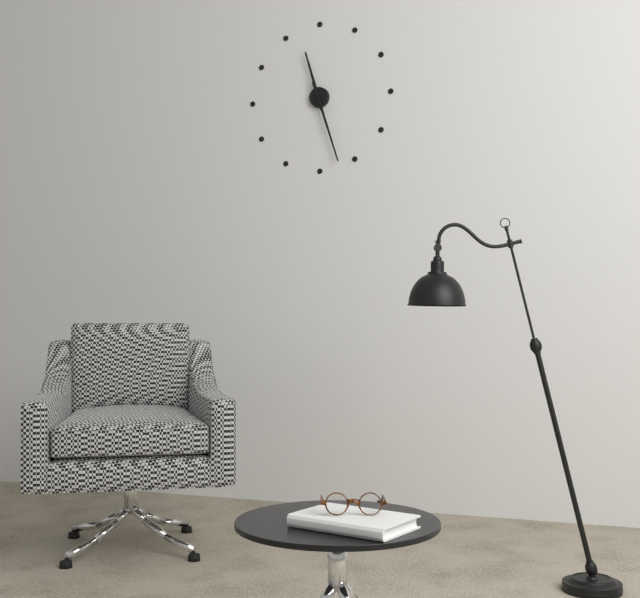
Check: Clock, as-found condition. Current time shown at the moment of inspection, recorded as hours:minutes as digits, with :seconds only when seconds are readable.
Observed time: 11:27
